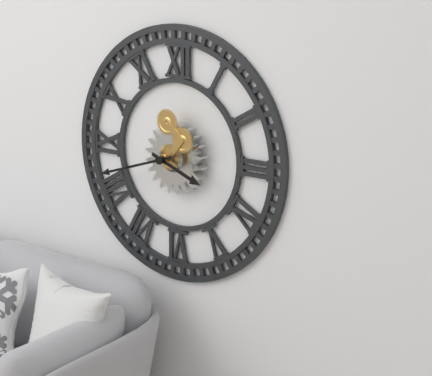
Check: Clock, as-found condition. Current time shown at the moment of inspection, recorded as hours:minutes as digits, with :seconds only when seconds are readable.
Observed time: 3:42
